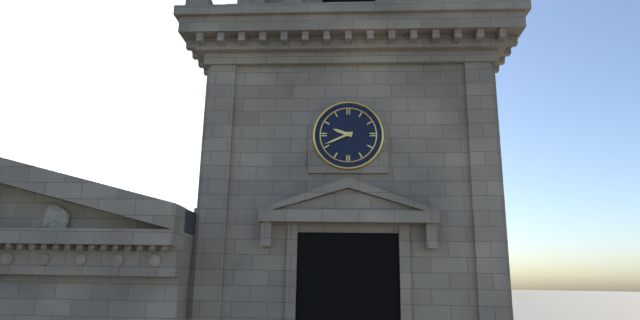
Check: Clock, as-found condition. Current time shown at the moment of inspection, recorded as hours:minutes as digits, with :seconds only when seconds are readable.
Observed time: 9:41
